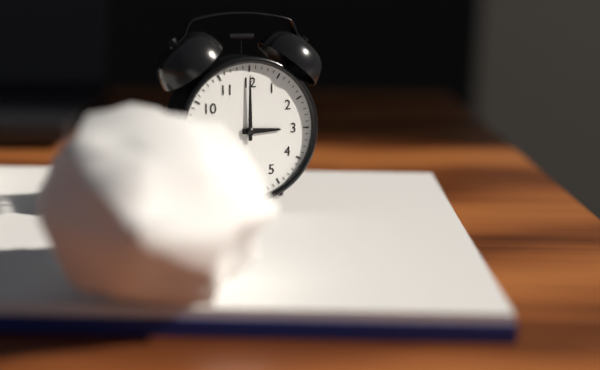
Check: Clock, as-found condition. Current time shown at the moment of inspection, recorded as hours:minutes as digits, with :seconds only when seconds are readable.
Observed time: 3:00
